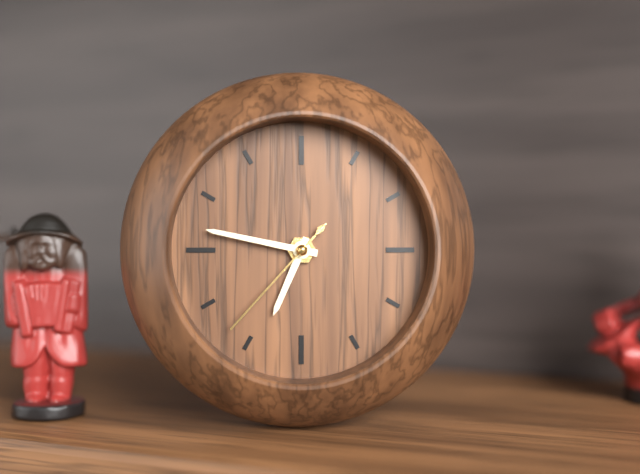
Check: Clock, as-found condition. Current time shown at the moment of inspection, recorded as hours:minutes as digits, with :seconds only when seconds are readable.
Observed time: 6:47:37
